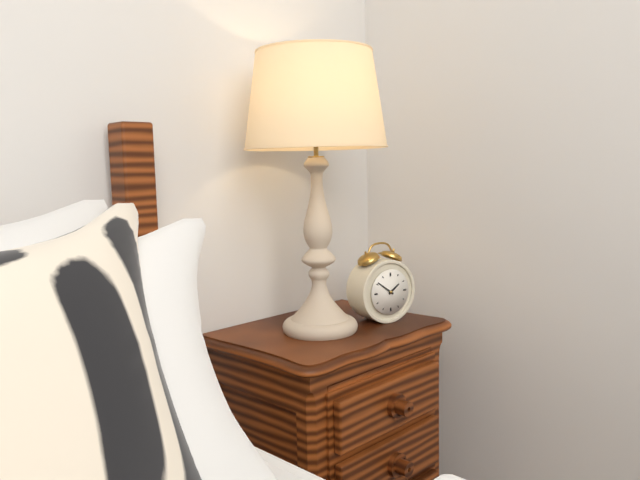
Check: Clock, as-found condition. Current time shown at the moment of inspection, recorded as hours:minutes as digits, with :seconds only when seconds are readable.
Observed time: 1:51
